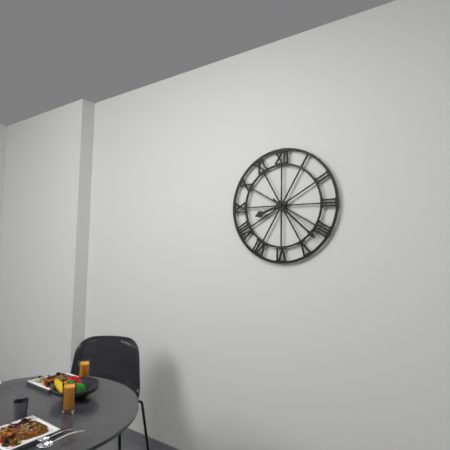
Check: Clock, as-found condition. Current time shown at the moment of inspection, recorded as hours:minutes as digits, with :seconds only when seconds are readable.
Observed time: 8:22
